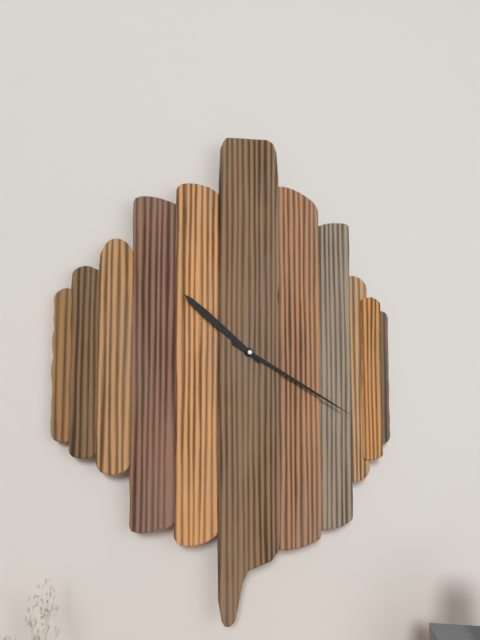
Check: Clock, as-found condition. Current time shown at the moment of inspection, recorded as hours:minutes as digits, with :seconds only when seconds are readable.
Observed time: 10:20
